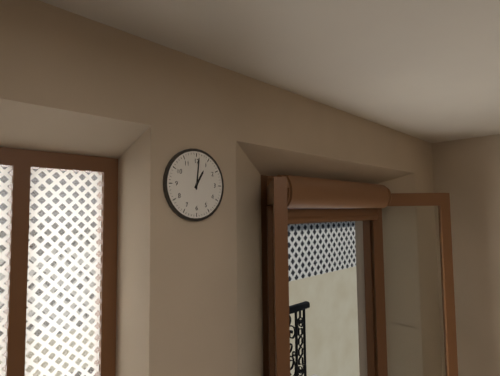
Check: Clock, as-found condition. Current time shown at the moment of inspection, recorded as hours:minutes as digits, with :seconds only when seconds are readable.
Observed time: 1:01
